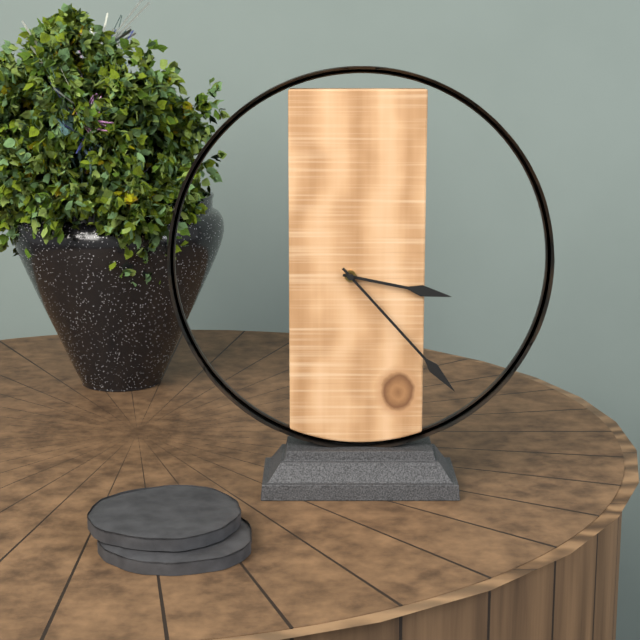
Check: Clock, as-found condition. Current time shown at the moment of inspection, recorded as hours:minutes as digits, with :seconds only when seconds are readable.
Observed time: 3:23
